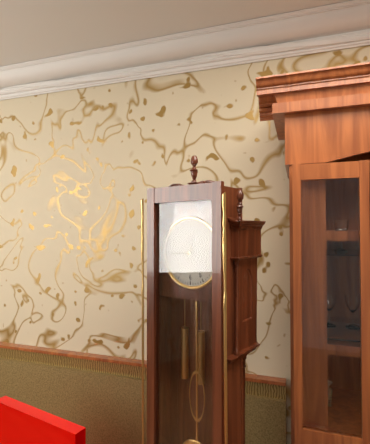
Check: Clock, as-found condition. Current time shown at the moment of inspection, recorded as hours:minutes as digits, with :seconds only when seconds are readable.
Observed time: 12:44
